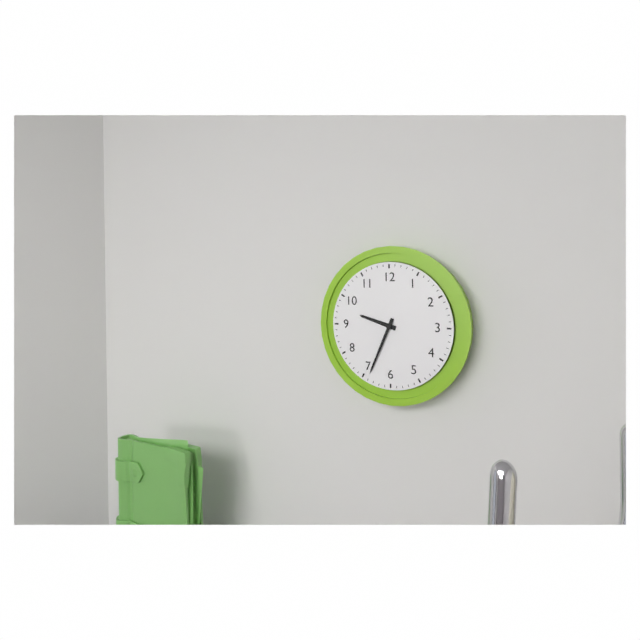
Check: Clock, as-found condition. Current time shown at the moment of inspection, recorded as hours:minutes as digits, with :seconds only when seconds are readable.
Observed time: 9:34
